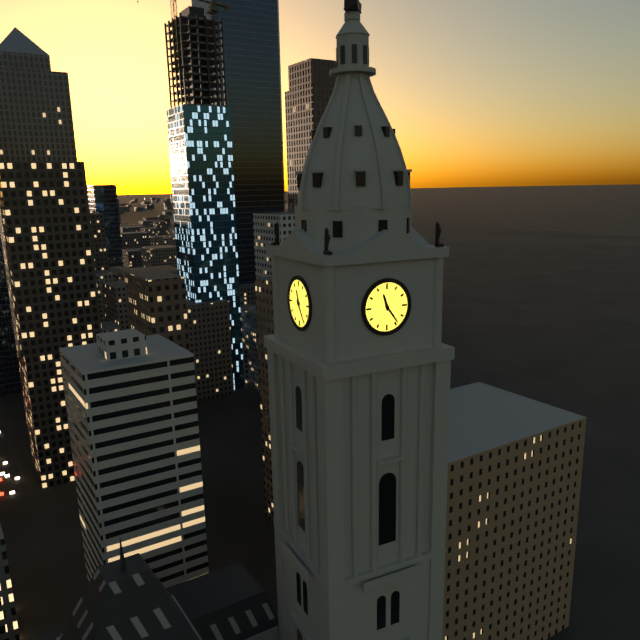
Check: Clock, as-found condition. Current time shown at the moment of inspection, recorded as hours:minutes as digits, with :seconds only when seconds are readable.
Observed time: 11:24
